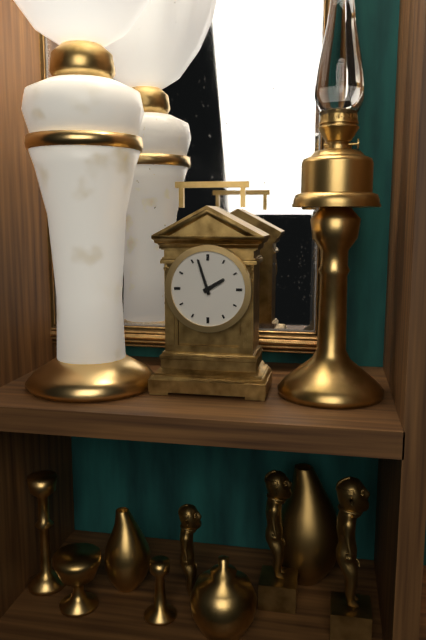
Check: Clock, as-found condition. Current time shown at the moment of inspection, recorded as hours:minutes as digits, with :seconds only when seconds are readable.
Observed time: 1:57
